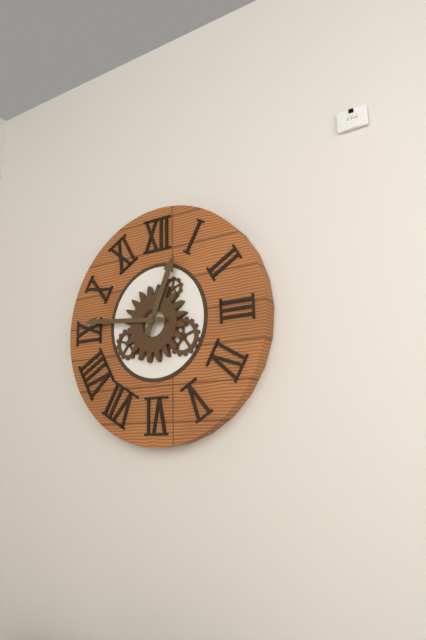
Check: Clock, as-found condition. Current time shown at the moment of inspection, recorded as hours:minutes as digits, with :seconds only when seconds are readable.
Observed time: 12:46
